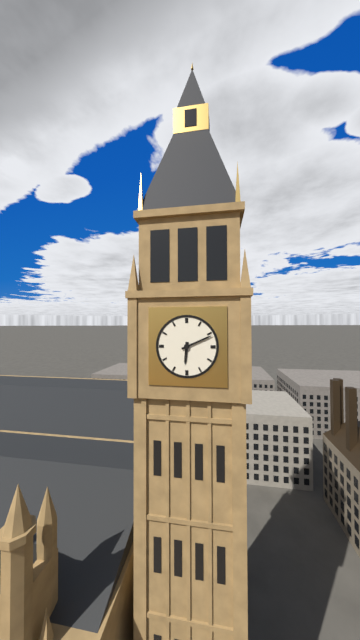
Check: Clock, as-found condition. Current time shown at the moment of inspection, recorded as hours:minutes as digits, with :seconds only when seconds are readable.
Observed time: 6:11
